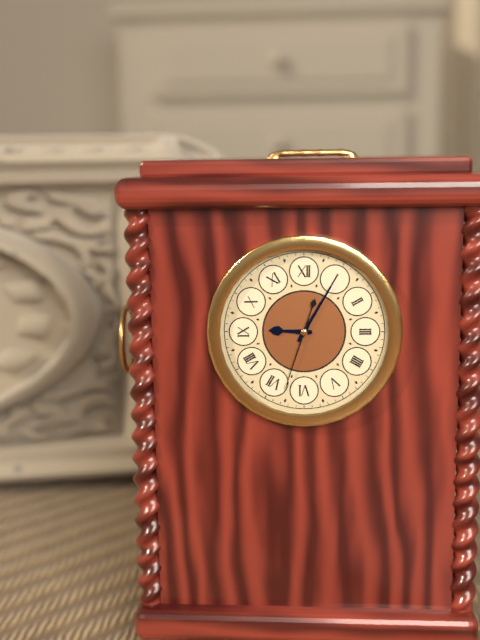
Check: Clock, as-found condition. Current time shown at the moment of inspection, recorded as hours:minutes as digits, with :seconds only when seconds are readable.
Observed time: 9:05:33
